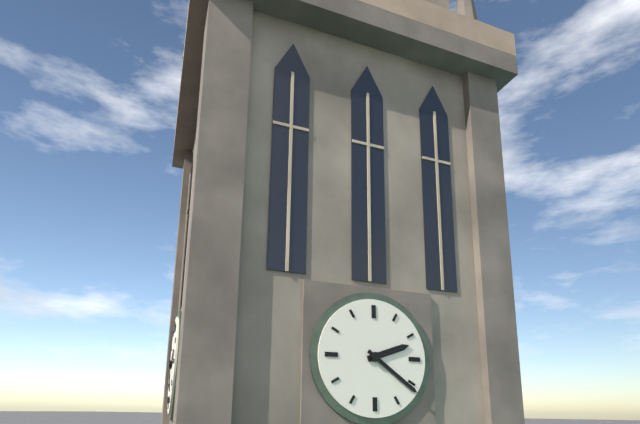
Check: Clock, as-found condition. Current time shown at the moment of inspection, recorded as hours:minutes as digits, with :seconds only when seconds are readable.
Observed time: 2:21
